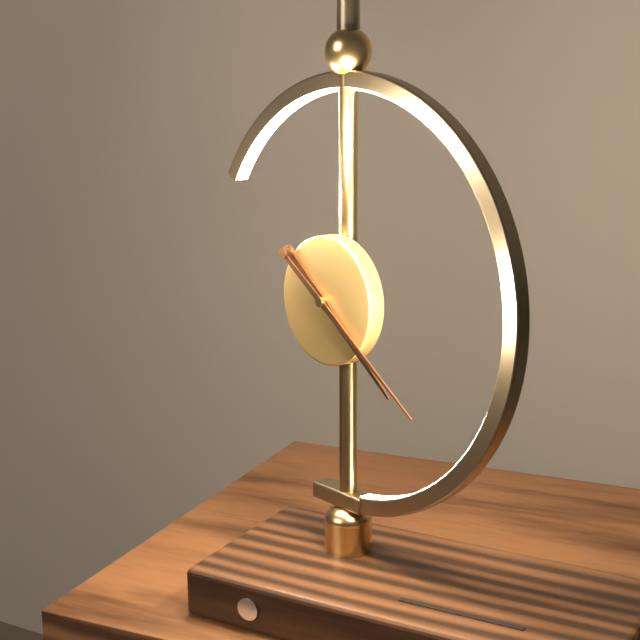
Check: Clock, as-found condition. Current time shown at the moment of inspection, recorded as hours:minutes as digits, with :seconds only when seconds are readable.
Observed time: 4:21
